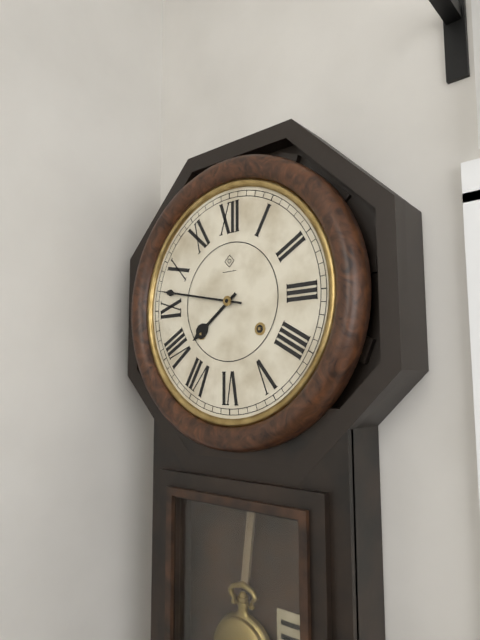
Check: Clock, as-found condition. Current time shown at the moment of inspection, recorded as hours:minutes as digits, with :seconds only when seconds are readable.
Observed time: 7:47
